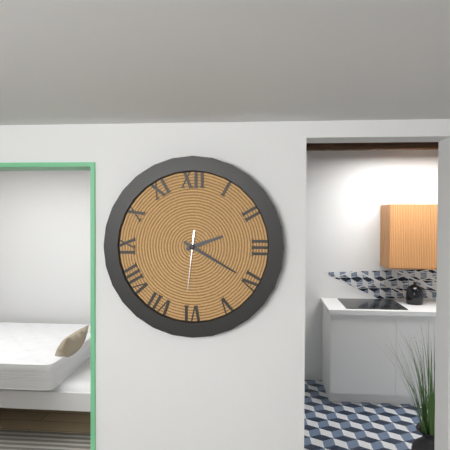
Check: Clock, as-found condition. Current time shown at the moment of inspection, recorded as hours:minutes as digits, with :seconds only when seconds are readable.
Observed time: 2:20:31
